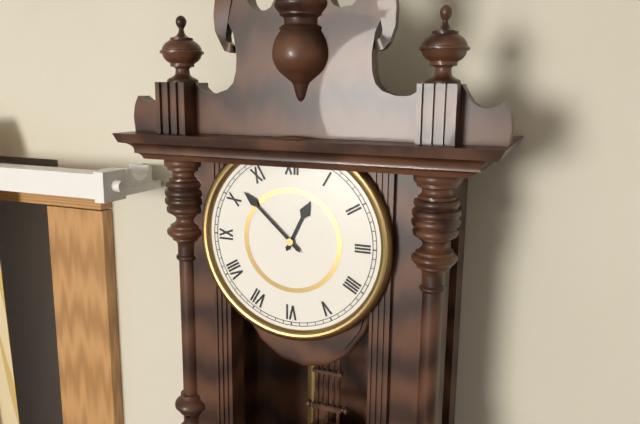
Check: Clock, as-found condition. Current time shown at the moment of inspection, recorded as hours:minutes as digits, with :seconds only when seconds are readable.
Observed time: 12:52
